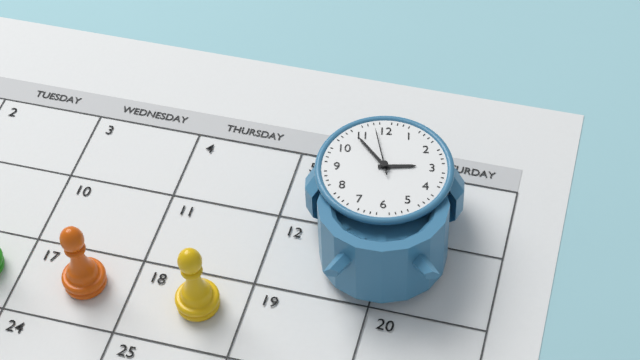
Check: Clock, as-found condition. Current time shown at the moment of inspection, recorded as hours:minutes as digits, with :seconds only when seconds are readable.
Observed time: 2:54
